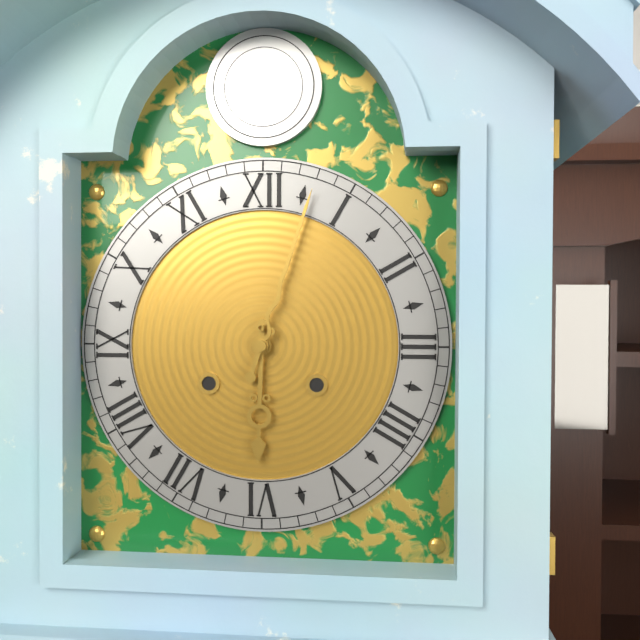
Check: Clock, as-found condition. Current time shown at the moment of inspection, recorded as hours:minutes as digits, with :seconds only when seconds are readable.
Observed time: 6:03
